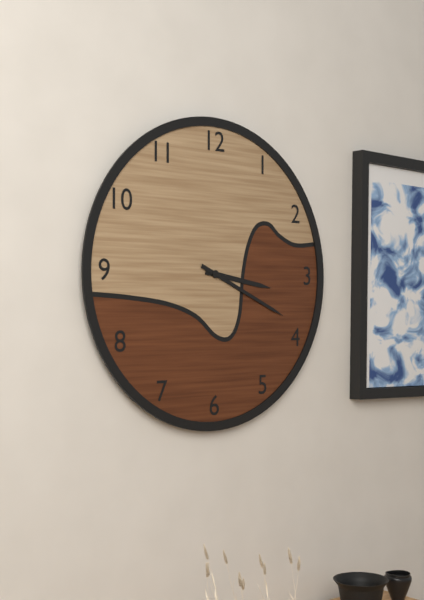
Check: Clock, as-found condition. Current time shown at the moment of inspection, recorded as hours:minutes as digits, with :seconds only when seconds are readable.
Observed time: 3:19
